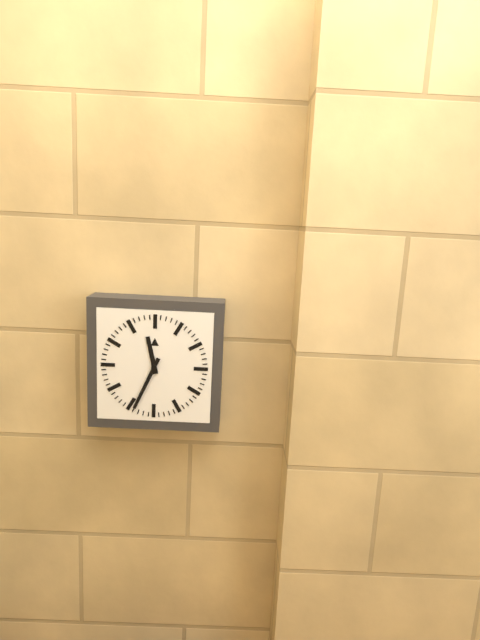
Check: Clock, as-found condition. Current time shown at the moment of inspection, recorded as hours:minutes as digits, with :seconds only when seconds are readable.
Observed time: 11:34
